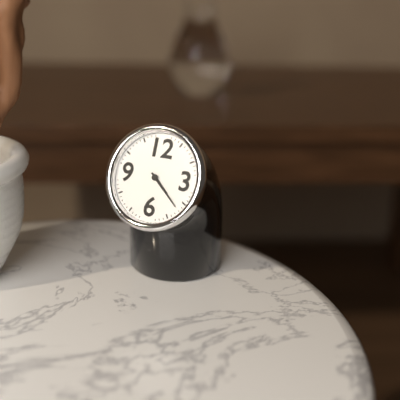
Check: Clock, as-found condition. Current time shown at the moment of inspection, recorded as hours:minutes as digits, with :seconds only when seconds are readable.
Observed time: 4:22
